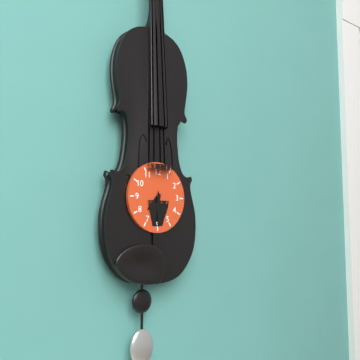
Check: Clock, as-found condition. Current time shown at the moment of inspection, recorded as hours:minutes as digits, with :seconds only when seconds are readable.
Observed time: 7:30
